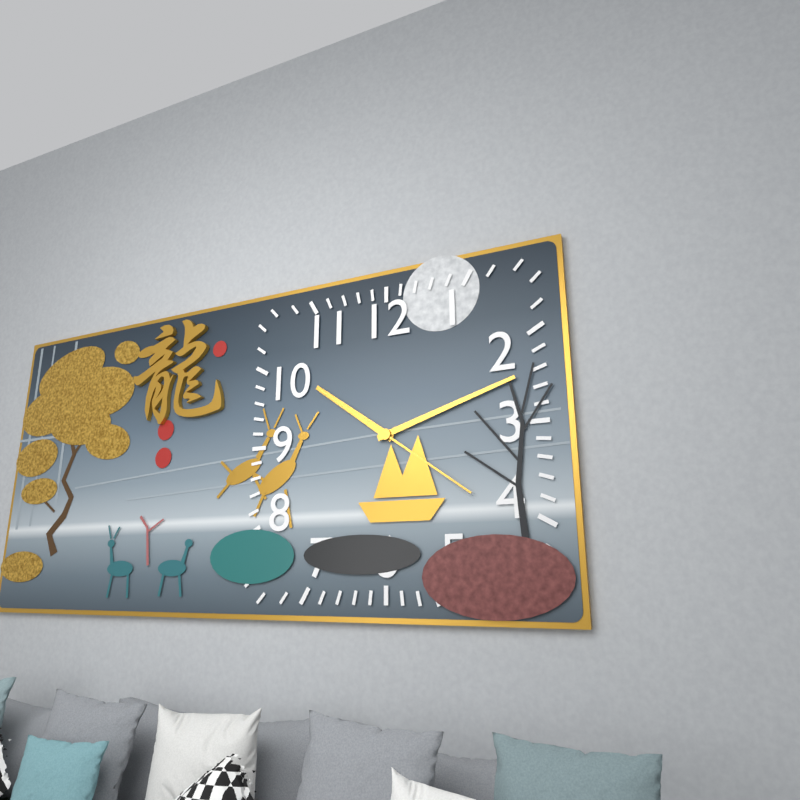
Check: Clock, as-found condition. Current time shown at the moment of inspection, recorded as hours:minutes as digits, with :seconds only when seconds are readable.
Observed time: 10:12:21
